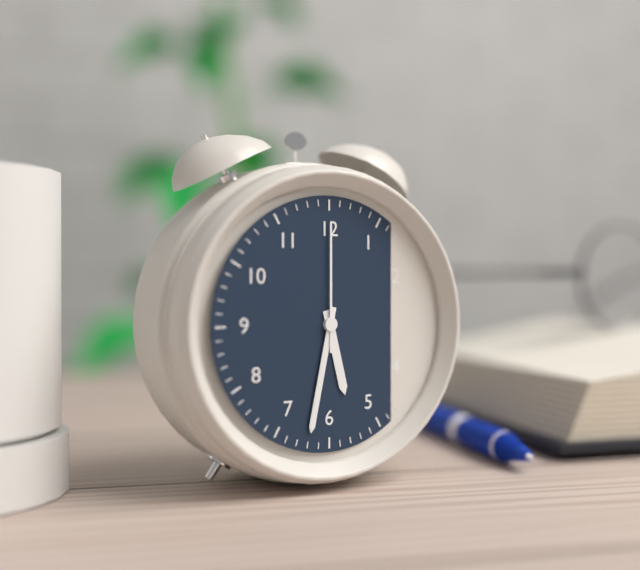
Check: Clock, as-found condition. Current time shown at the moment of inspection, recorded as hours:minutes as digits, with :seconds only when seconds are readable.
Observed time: 5:32:00
